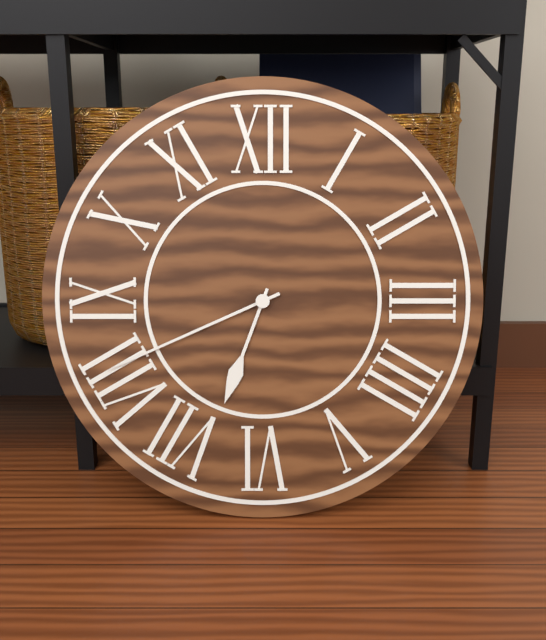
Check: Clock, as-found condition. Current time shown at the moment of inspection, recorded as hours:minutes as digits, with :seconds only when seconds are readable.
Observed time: 6:41
